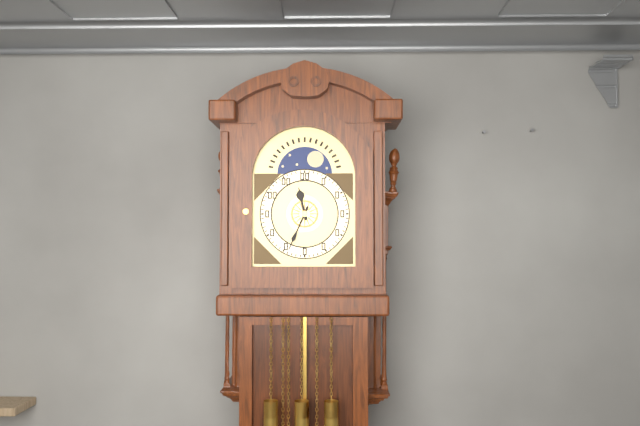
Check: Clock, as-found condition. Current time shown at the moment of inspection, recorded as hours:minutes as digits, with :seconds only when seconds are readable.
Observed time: 11:34
